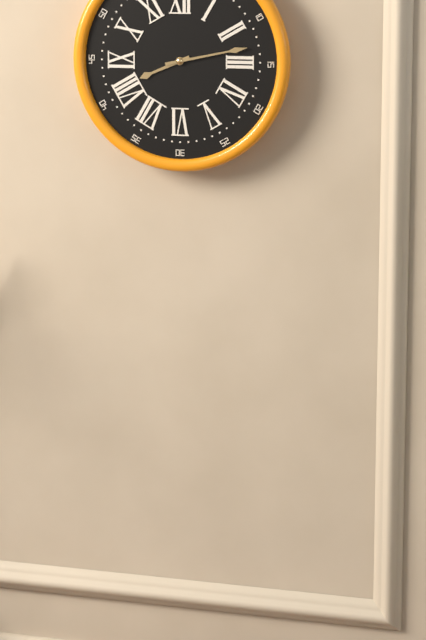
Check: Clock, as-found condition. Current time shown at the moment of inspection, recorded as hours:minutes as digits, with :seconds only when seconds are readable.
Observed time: 8:13
